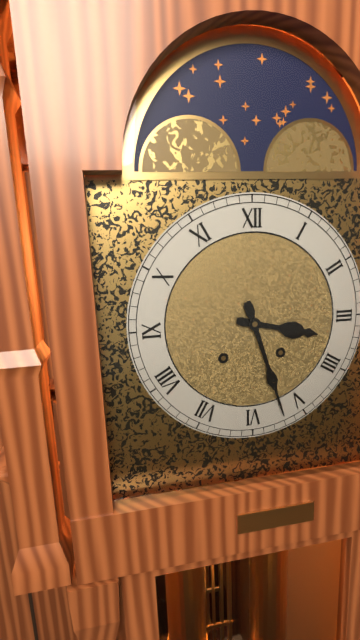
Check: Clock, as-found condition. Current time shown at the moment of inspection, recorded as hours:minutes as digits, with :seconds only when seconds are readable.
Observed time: 3:27
